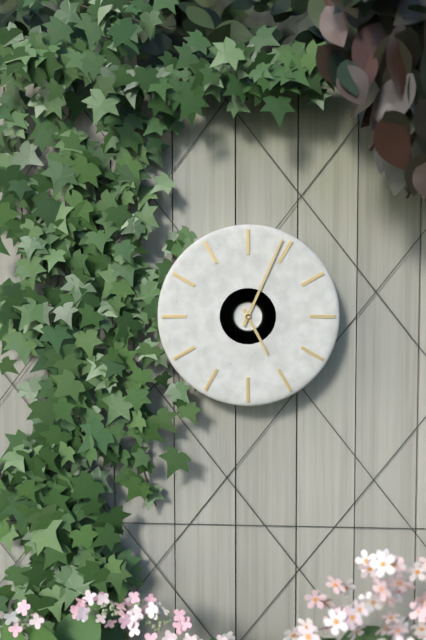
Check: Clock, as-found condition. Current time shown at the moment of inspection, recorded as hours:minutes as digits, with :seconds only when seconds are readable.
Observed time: 5:04
